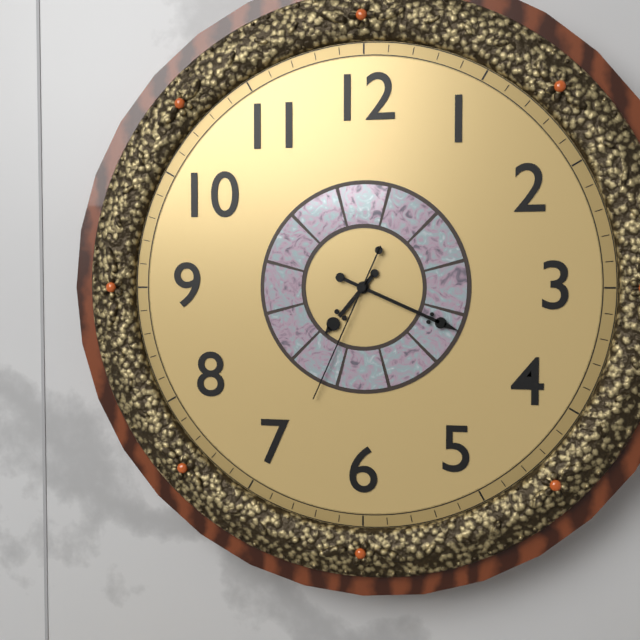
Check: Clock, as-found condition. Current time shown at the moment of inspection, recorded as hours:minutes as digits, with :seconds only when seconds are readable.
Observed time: 7:19:34
